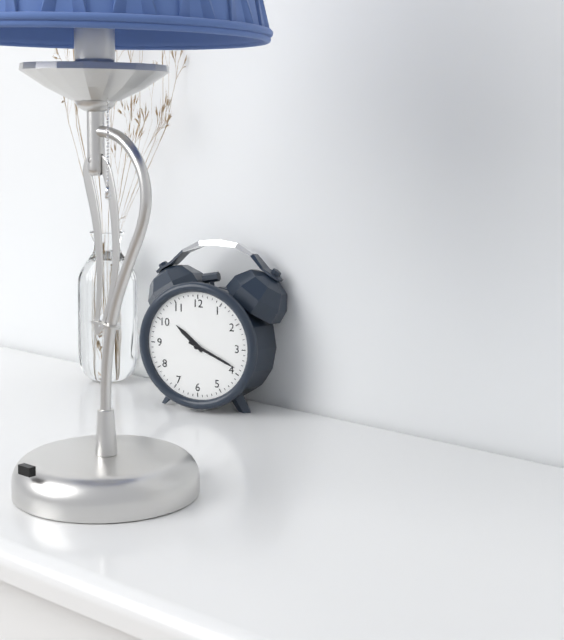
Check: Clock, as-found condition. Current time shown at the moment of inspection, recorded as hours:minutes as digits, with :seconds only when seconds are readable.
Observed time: 10:19
